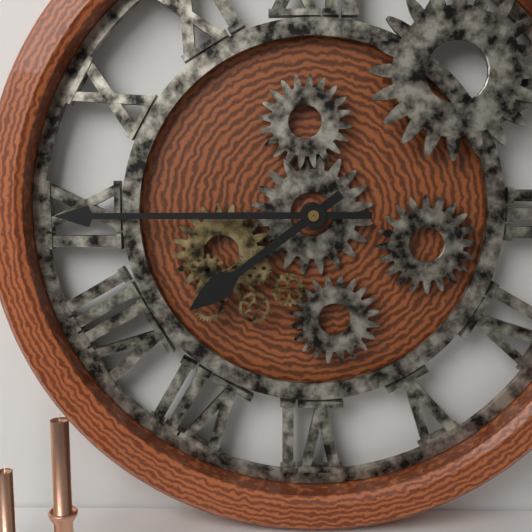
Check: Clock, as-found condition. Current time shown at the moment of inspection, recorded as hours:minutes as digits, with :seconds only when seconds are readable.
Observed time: 7:45
